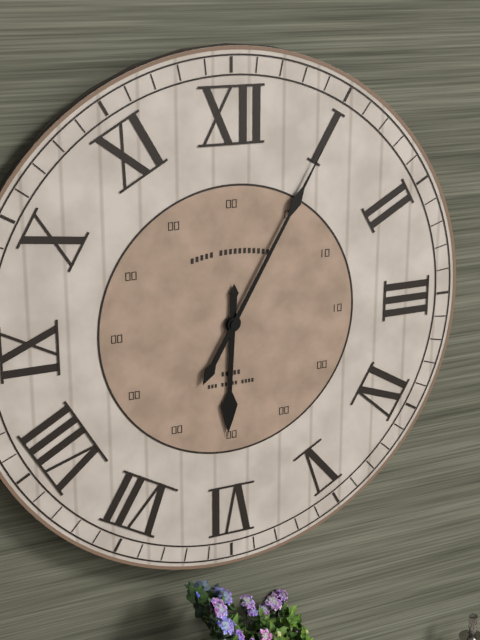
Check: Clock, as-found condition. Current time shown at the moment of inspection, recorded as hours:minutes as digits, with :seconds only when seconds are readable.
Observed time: 6:05
